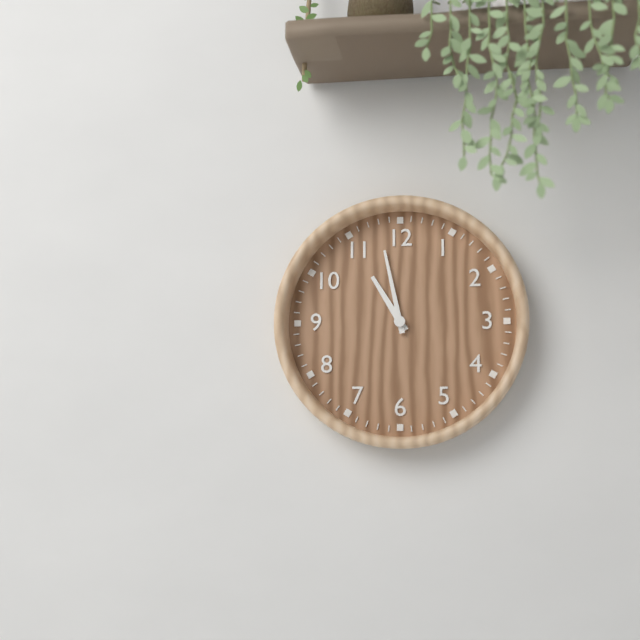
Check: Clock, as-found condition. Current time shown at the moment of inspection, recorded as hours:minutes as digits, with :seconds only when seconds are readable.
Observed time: 10:58
